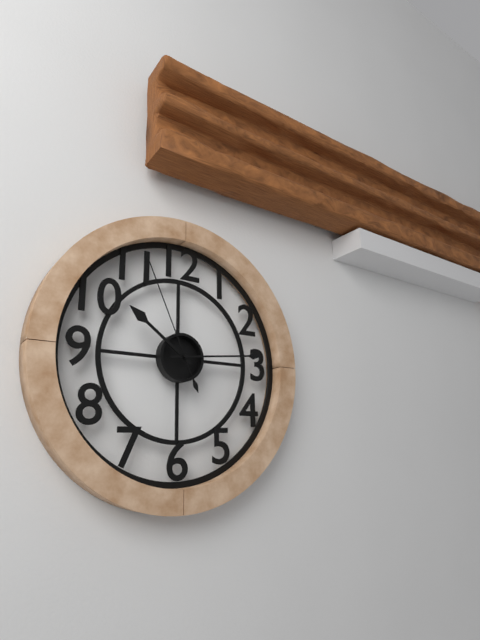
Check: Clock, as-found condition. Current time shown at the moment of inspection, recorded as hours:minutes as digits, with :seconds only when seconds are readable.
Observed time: 10:14:56
